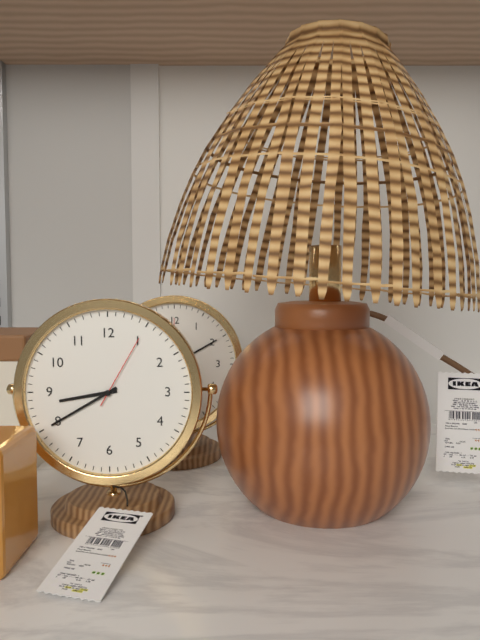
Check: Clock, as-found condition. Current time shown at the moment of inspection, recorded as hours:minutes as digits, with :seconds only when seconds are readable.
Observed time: 8:40:05
